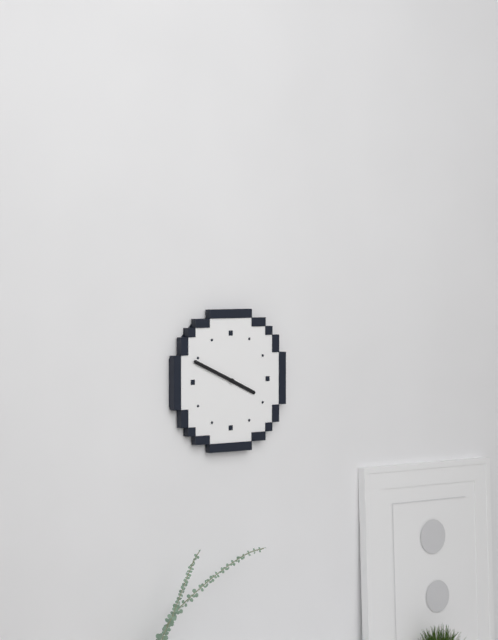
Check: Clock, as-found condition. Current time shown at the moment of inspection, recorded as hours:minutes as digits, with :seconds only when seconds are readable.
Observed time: 3:49
